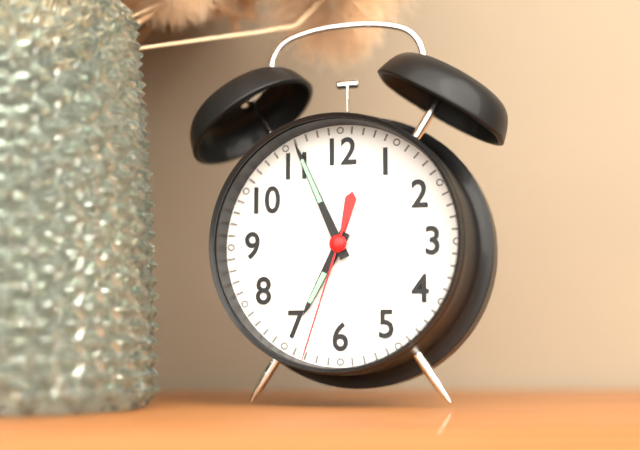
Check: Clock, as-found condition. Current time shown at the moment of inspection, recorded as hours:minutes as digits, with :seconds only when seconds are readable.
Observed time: 6:56:33
